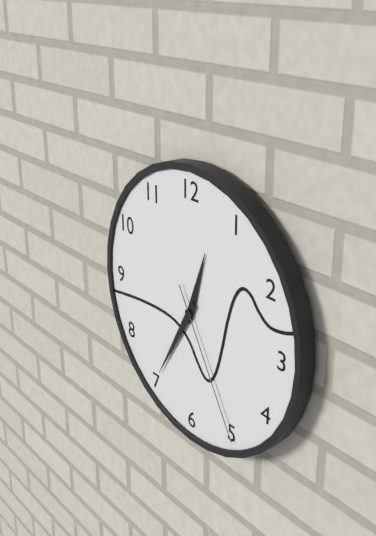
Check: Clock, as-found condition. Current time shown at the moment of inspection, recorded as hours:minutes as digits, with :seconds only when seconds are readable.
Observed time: 12:35:25
